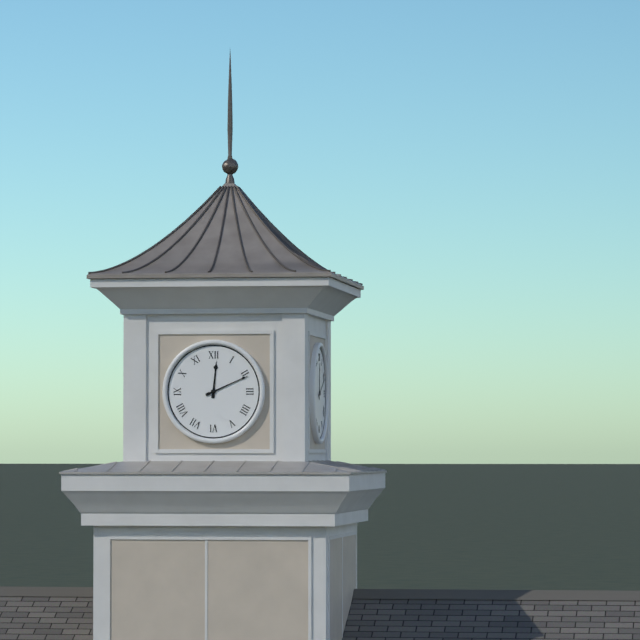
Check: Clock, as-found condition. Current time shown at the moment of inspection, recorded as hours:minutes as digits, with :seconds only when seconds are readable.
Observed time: 12:11
